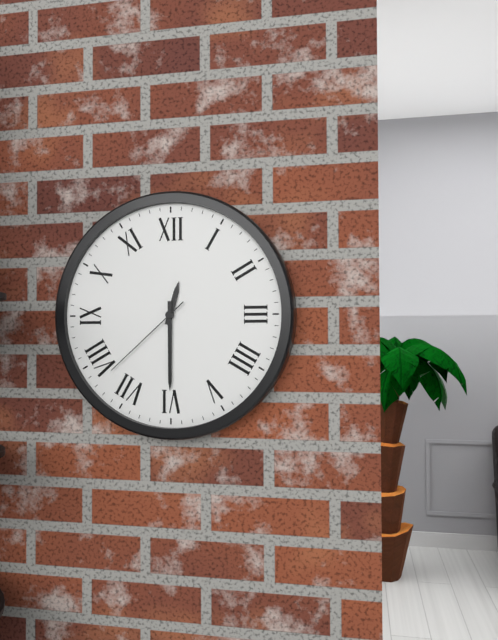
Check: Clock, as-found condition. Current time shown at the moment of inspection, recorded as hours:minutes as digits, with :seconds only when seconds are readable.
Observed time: 12:30:38
